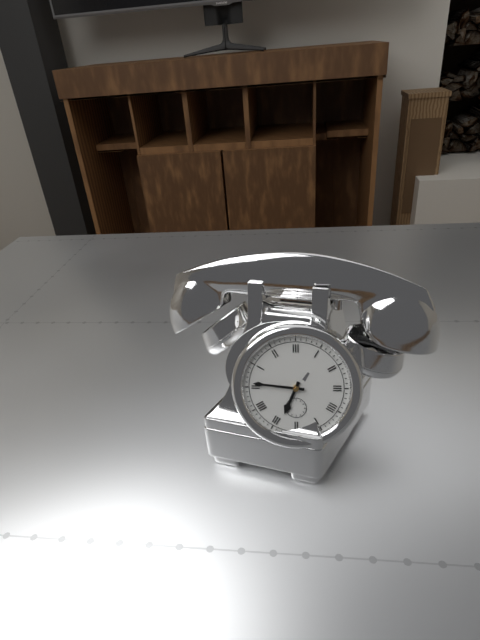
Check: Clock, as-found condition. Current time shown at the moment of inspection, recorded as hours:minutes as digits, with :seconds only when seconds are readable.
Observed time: 6:46
